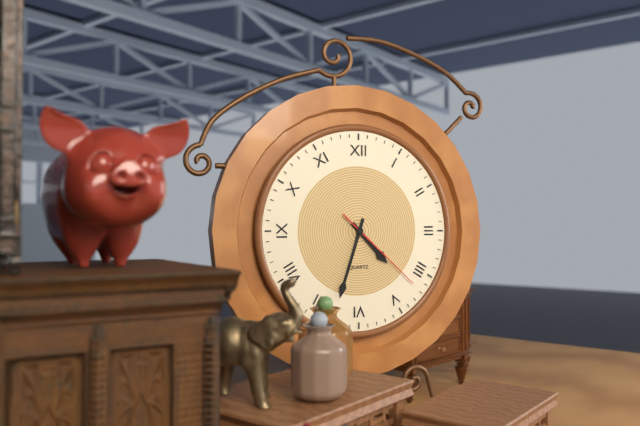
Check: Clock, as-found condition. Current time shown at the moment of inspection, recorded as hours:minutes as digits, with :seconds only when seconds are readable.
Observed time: 4:33:22
